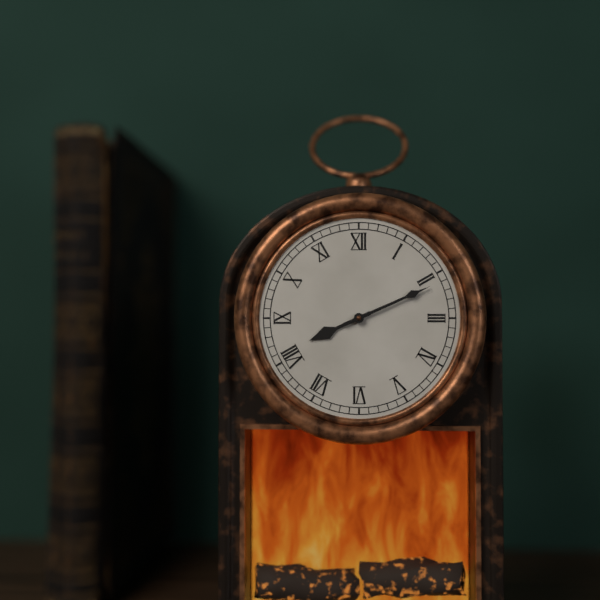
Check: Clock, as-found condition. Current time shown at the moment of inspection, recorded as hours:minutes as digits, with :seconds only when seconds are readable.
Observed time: 8:11
